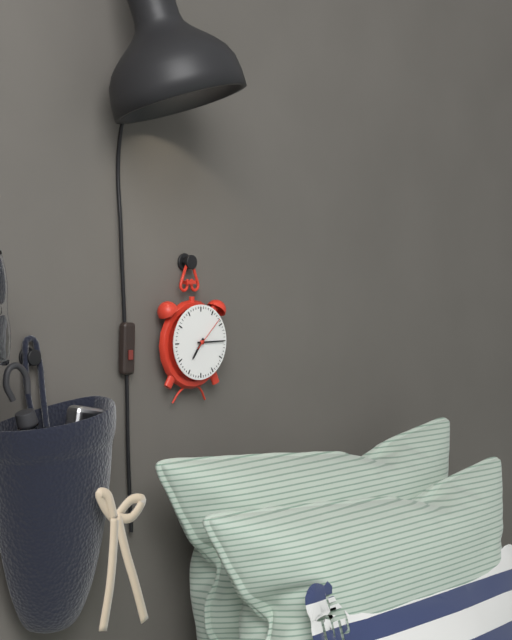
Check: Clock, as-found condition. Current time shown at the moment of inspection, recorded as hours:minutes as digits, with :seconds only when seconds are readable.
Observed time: 7:15
